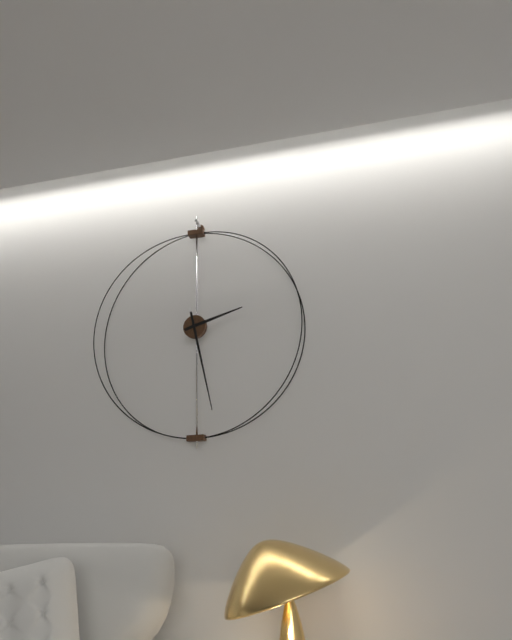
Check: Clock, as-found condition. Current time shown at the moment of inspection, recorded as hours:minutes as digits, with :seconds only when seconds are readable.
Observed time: 2:28
